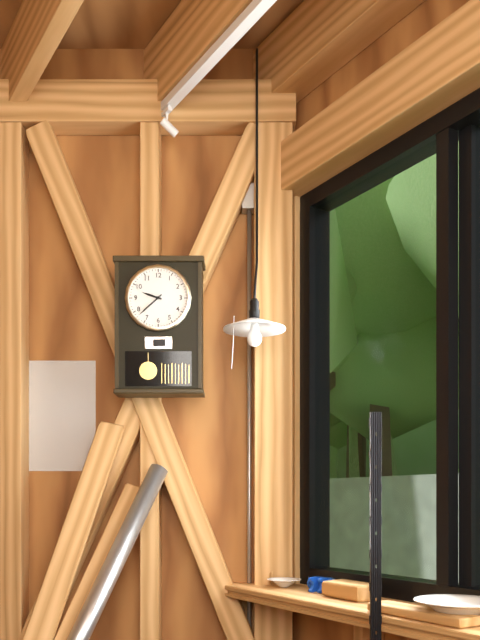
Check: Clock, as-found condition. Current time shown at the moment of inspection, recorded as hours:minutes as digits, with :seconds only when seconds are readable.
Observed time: 9:38
